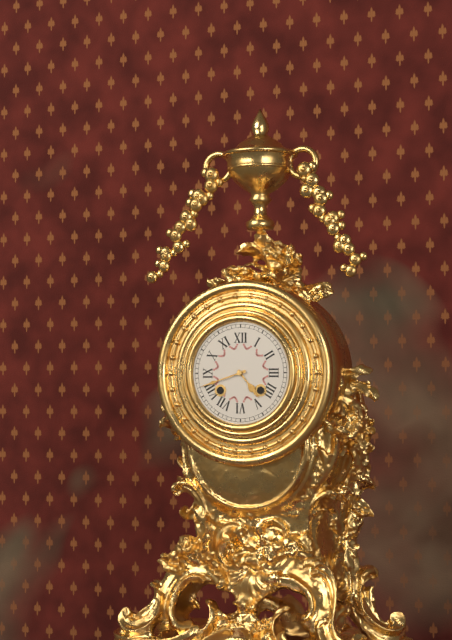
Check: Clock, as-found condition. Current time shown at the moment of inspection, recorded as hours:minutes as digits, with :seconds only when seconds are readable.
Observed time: 4:42
